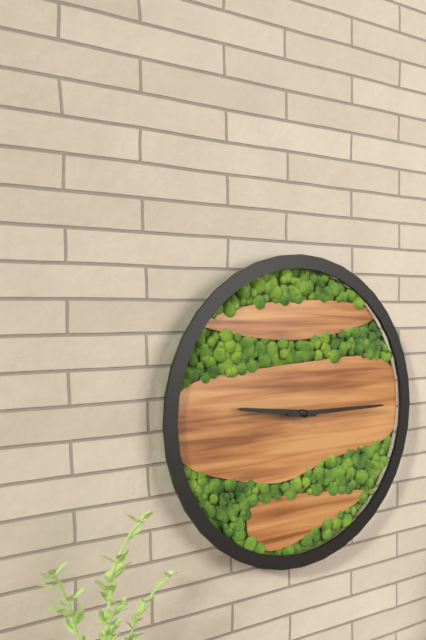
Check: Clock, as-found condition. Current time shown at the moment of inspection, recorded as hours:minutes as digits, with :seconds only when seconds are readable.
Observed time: 9:15
